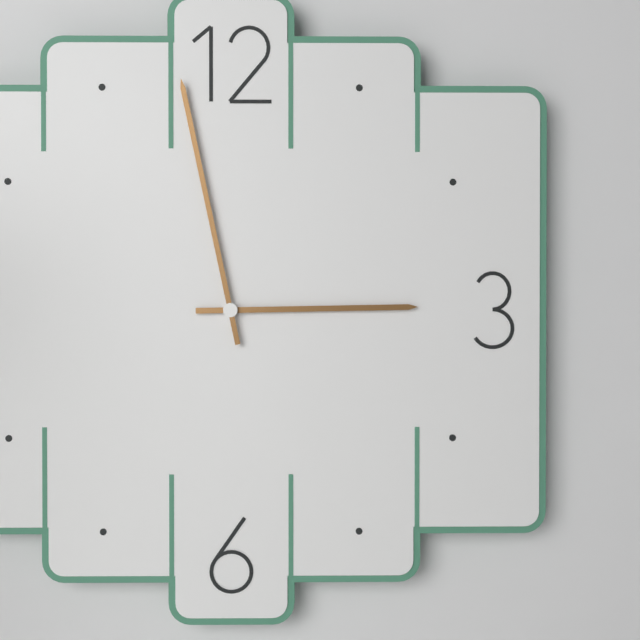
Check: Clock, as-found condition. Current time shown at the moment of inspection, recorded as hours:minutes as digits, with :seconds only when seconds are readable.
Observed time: 2:58
